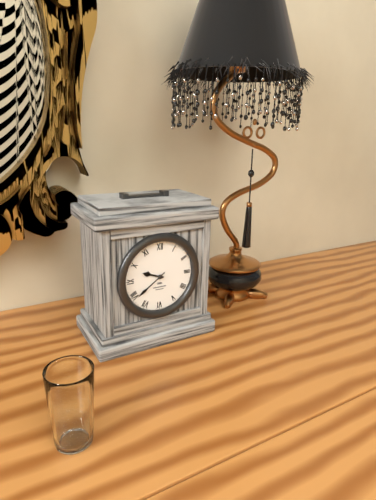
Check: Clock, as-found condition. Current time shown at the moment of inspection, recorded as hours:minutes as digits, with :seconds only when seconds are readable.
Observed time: 9:39
